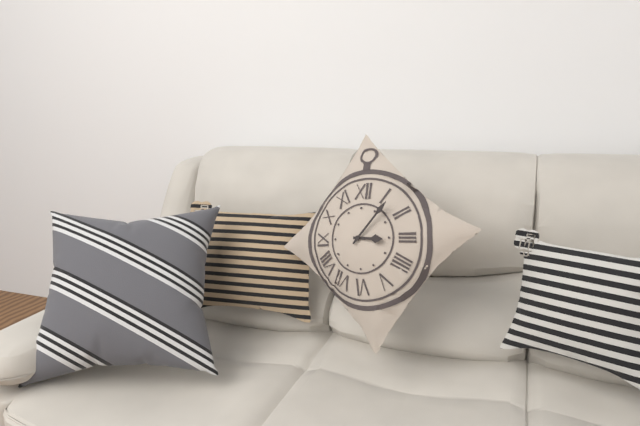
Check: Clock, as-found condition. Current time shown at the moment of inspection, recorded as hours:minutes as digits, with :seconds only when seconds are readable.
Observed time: 3:07
